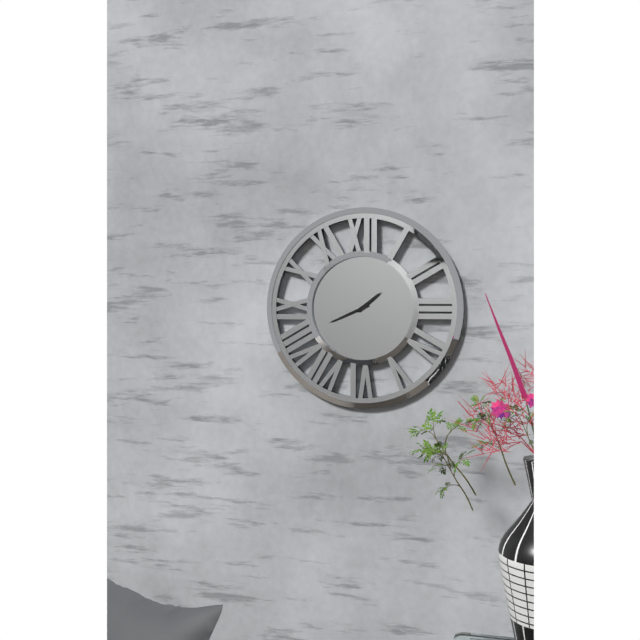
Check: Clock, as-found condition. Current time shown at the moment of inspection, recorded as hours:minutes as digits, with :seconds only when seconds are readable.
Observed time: 1:41
